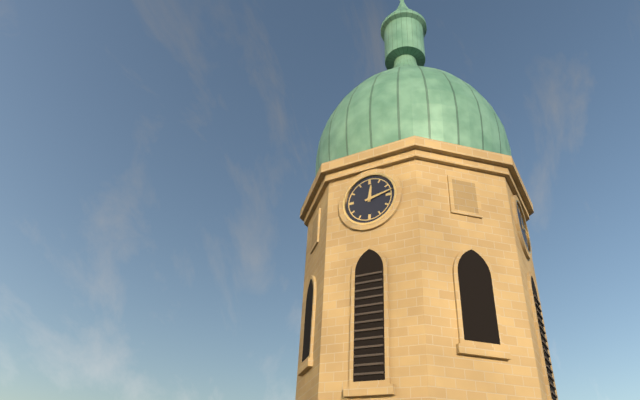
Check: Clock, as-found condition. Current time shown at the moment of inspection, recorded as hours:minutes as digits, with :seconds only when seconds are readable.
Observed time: 12:13
